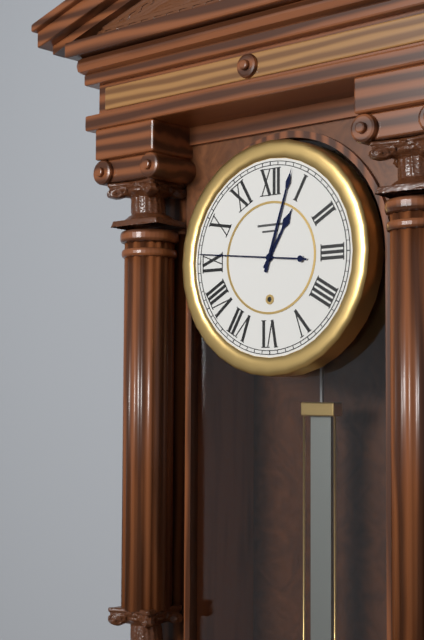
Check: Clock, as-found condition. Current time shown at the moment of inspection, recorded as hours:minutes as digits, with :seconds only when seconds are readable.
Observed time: 1:03:46
